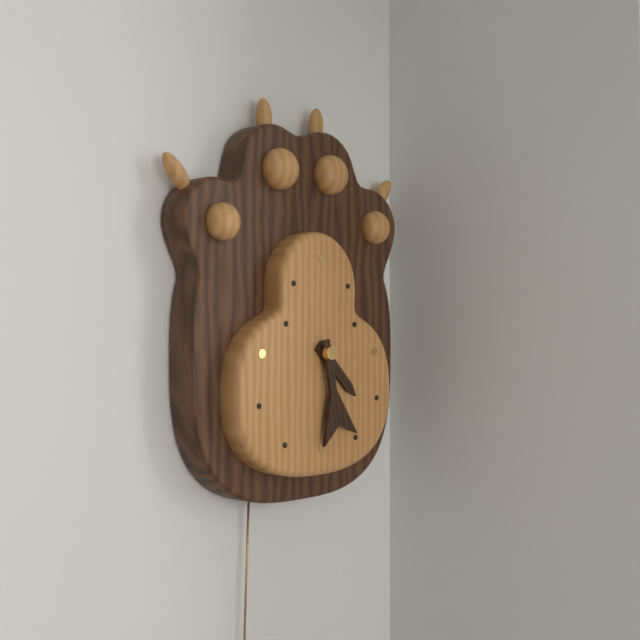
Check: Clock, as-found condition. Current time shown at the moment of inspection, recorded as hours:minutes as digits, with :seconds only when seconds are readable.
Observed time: 4:28
